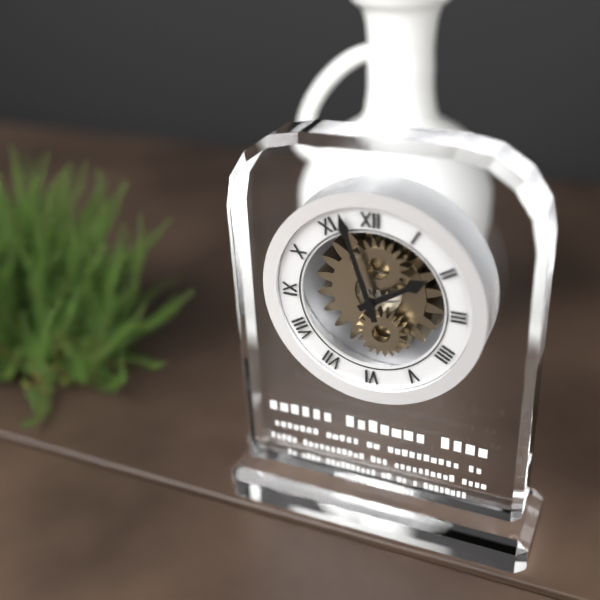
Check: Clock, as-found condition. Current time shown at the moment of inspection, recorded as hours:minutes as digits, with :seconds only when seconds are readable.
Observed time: 1:57
